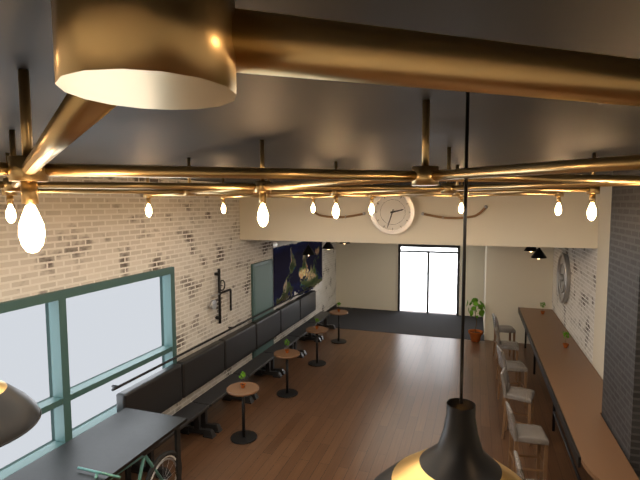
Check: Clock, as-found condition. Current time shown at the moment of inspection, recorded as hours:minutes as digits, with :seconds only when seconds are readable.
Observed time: 2:33
